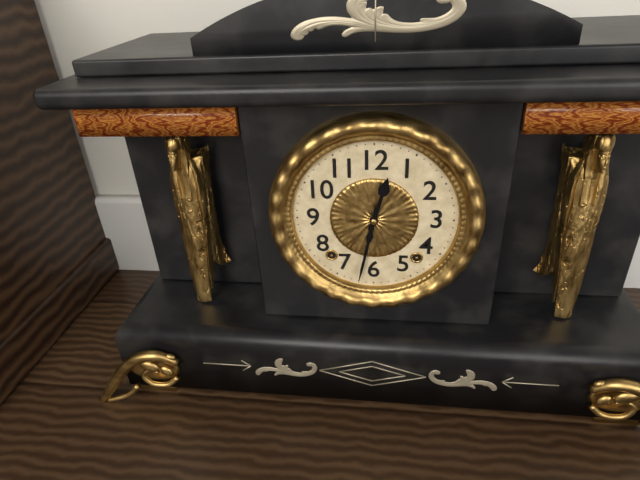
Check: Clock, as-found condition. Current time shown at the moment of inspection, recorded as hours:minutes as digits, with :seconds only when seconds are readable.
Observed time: 12:32
